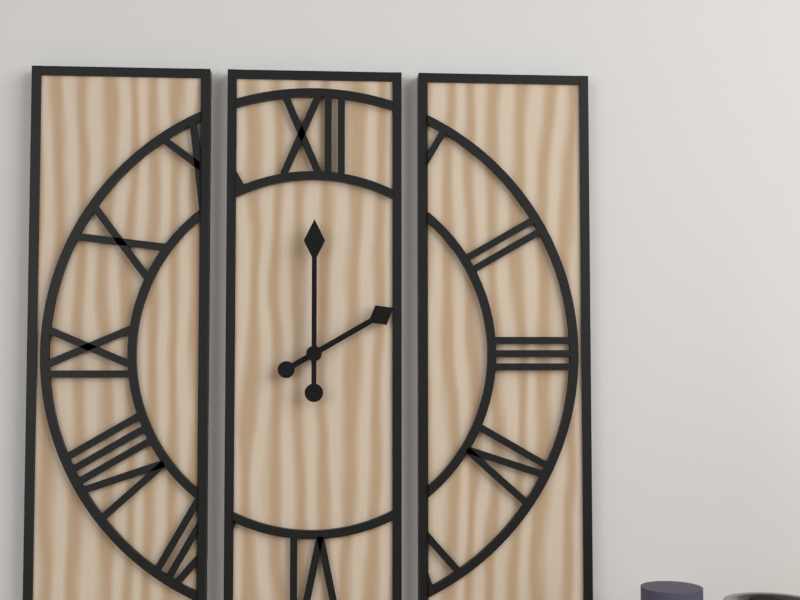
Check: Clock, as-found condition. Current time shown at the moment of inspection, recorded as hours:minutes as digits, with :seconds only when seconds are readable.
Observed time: 2:00
